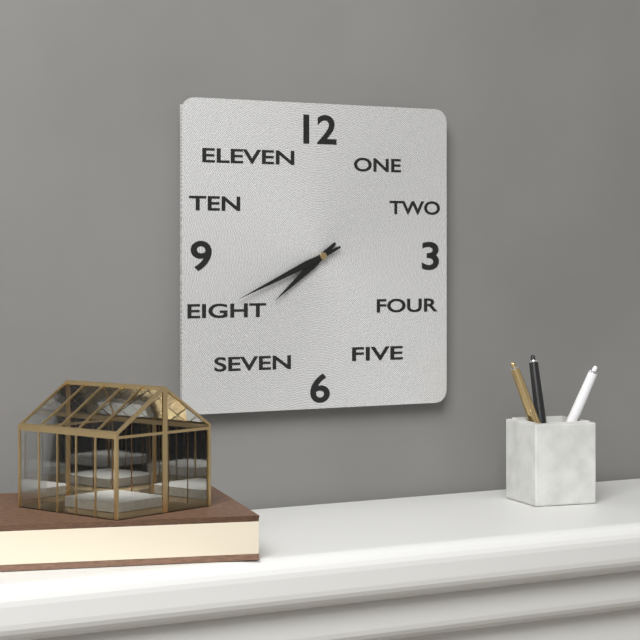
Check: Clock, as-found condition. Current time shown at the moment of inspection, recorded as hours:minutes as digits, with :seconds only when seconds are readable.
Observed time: 7:41
